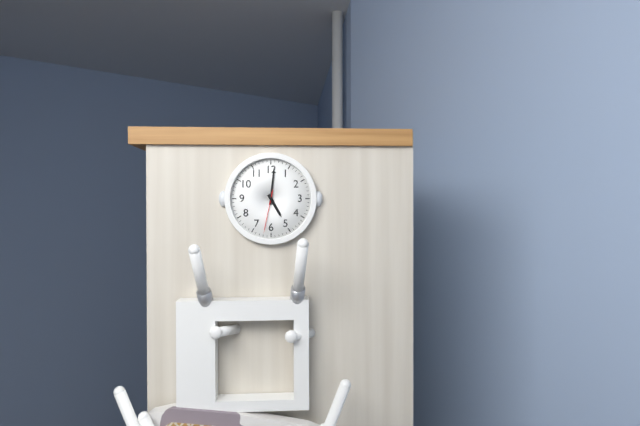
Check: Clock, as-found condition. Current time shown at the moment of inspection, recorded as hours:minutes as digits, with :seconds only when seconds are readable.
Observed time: 5:01
